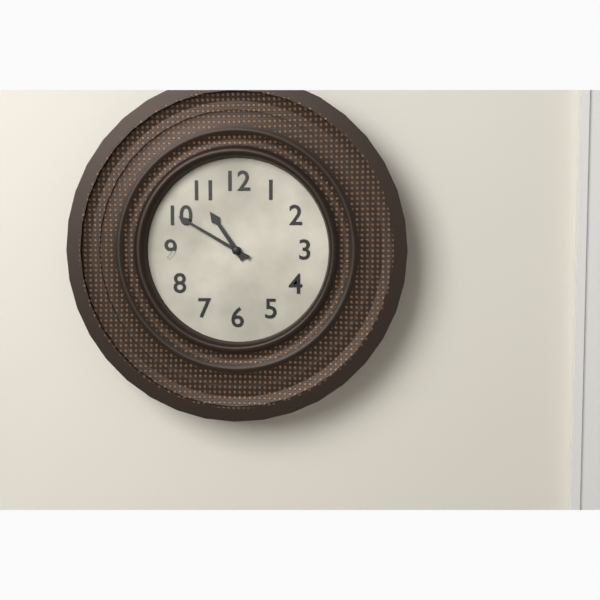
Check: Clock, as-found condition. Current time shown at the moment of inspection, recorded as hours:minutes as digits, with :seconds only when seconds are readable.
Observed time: 10:50
